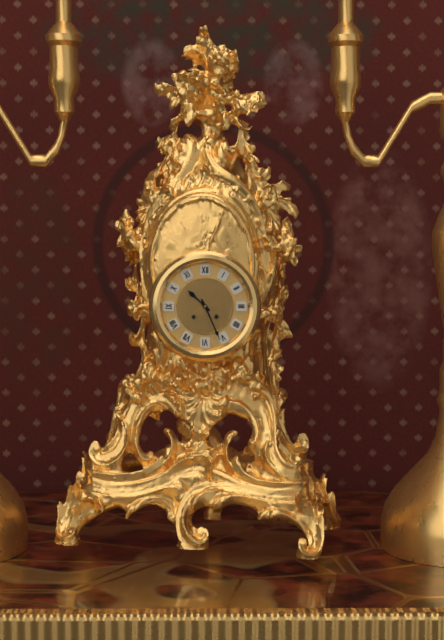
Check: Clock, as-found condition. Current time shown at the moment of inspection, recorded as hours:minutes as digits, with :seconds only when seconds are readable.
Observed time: 10:26
